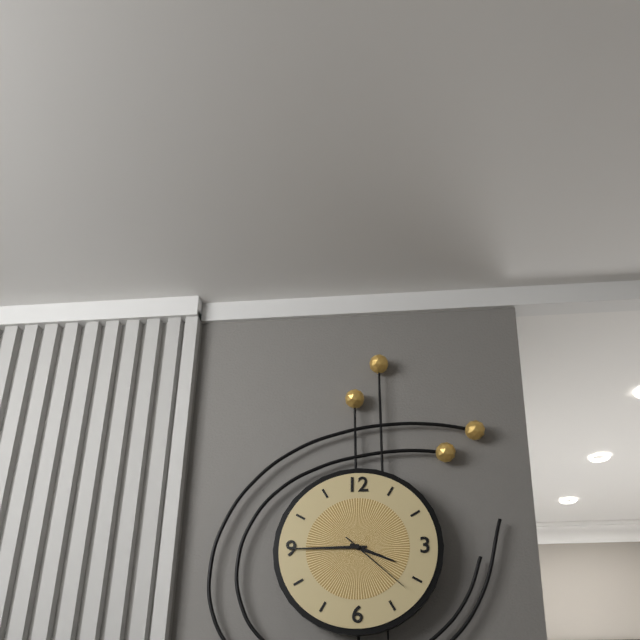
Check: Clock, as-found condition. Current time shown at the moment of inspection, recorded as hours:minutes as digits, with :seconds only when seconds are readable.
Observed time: 3:45:22
